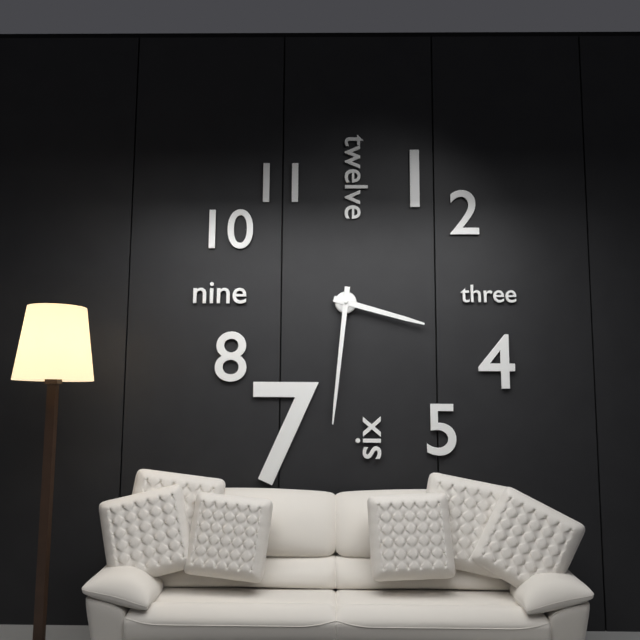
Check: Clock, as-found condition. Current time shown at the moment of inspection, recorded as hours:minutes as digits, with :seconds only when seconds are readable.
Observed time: 3:31
